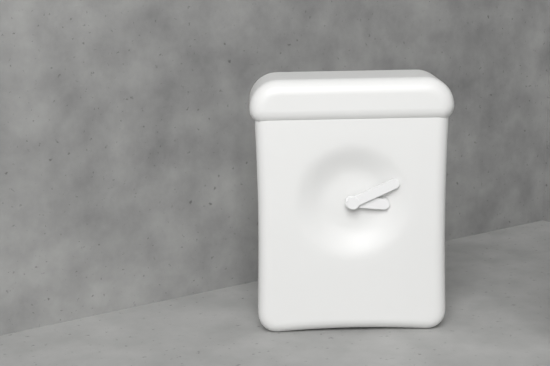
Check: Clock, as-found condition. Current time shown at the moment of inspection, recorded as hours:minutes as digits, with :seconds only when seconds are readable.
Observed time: 3:11
